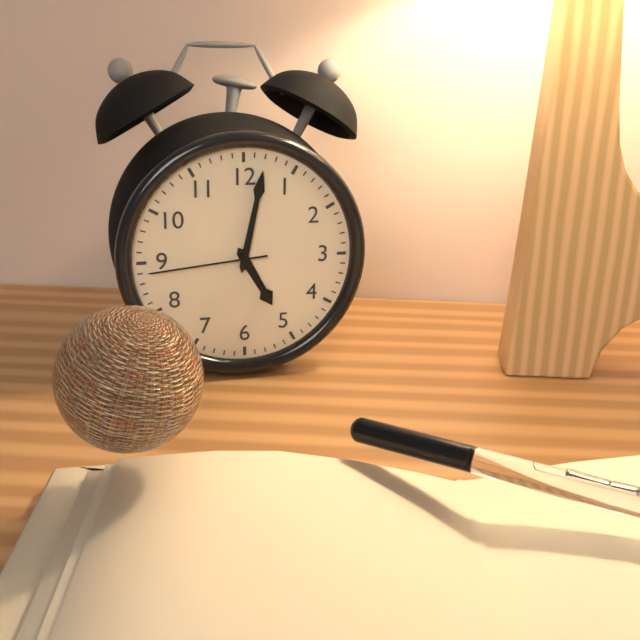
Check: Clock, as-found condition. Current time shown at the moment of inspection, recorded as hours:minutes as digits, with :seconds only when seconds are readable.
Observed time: 5:02:44
